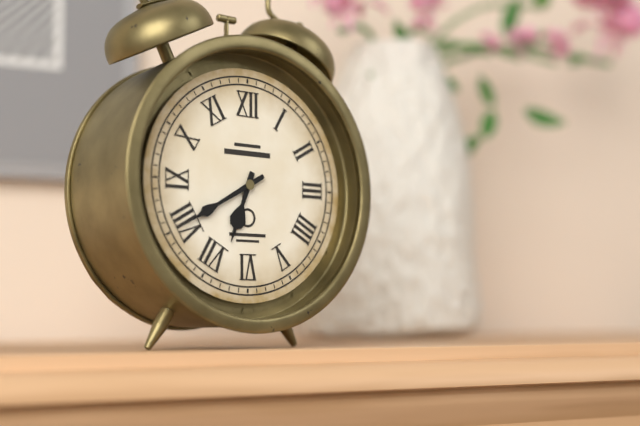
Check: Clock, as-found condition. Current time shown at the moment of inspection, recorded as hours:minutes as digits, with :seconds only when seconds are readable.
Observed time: 6:40
